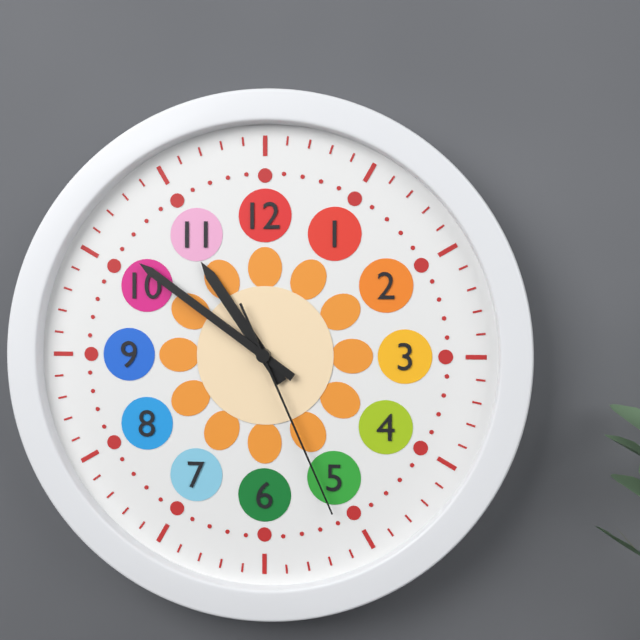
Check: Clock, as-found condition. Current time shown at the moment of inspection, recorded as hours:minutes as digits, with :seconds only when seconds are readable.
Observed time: 10:51:26
